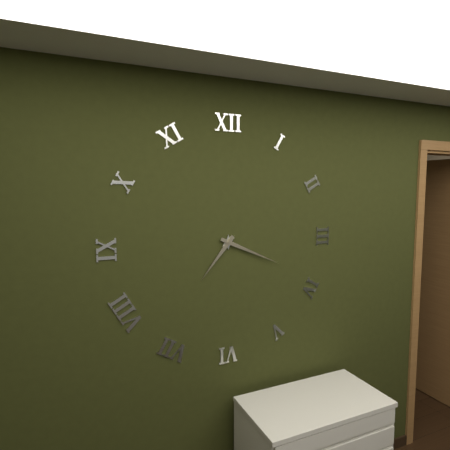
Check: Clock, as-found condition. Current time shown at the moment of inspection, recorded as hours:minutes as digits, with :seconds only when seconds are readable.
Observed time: 7:19
